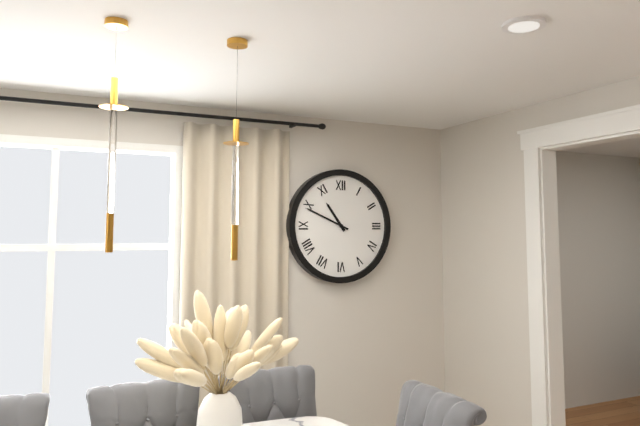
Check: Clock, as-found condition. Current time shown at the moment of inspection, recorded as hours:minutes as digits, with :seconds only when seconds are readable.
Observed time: 10:49
